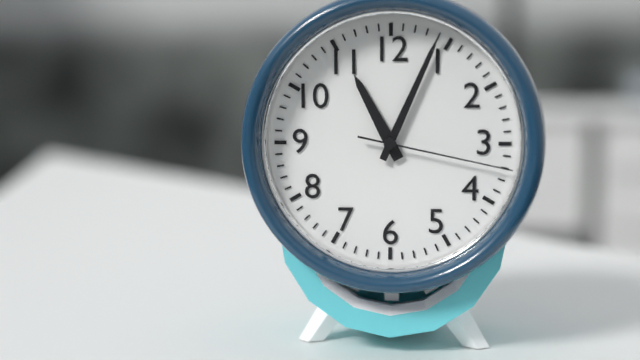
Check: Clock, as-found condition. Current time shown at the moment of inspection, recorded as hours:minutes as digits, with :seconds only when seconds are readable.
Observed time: 11:04:17
